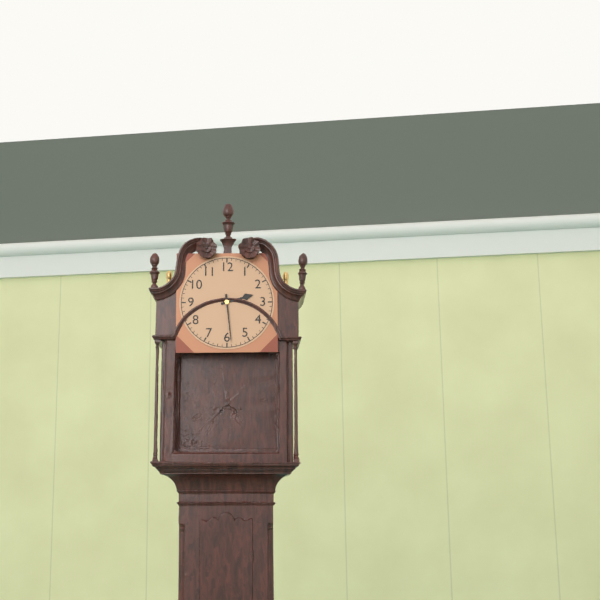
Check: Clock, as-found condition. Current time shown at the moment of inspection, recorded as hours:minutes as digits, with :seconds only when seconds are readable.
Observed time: 2:29
